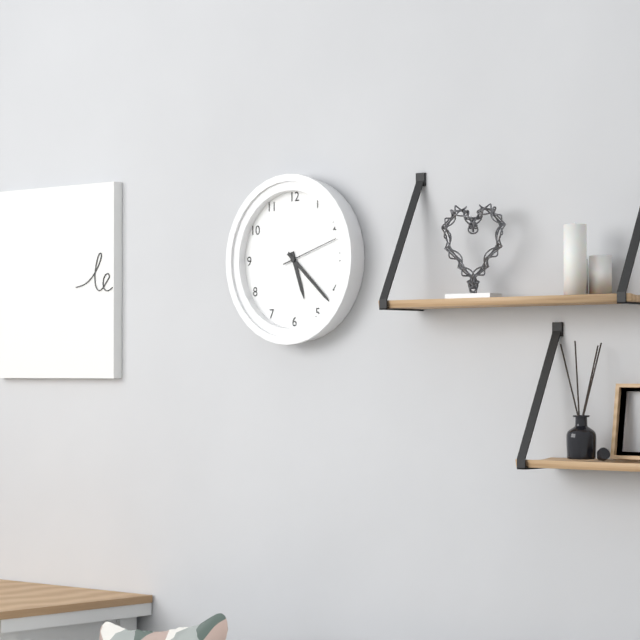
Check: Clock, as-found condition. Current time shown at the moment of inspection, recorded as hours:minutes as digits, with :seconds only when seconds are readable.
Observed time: 5:22:12
